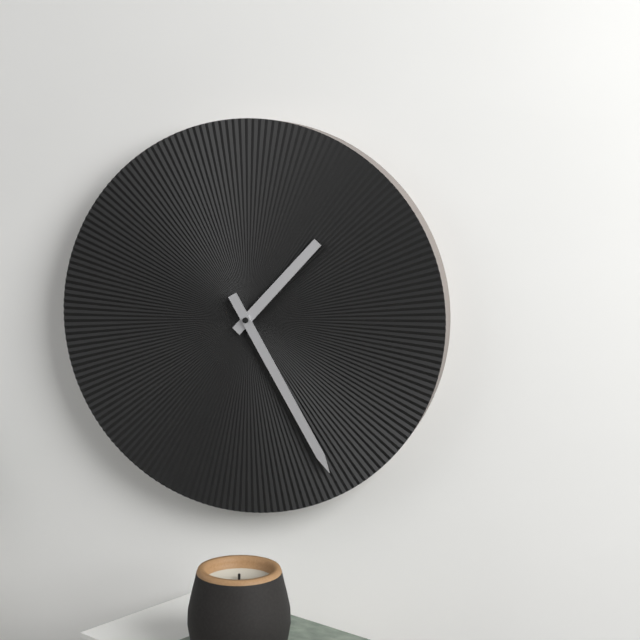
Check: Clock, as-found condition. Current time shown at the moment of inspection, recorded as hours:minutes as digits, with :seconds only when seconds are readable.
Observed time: 1:25
